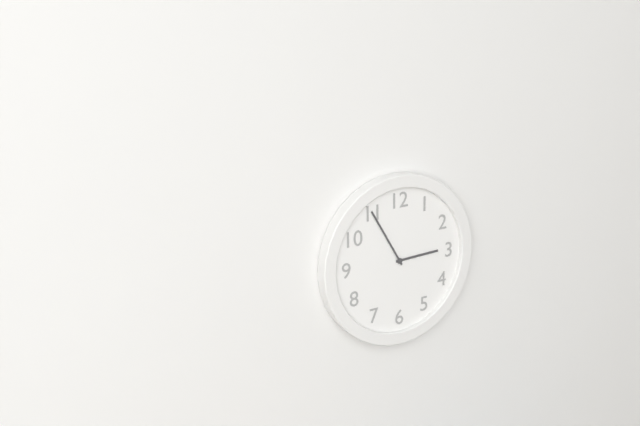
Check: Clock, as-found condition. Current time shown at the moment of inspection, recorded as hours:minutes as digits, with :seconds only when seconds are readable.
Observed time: 2:55
